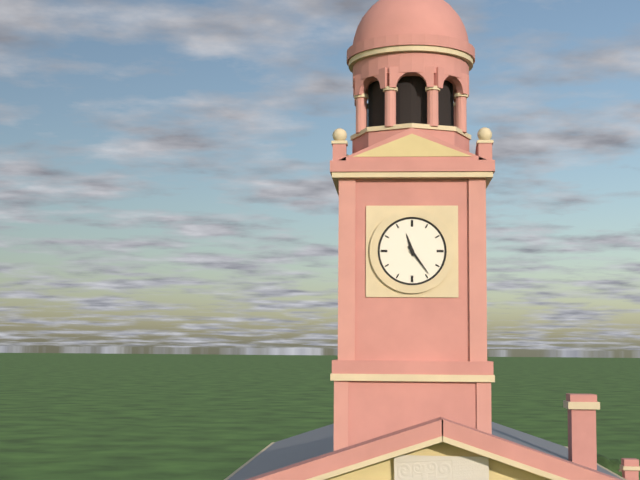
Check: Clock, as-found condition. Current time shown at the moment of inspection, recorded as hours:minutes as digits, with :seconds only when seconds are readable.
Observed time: 11:24
